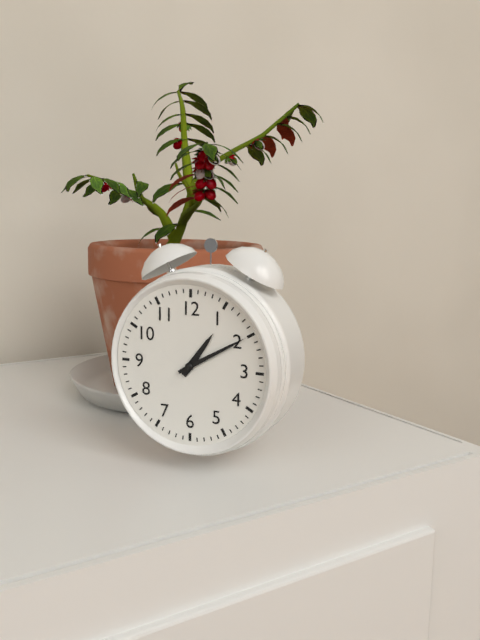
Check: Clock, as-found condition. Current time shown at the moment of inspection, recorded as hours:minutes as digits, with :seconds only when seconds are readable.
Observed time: 1:10
